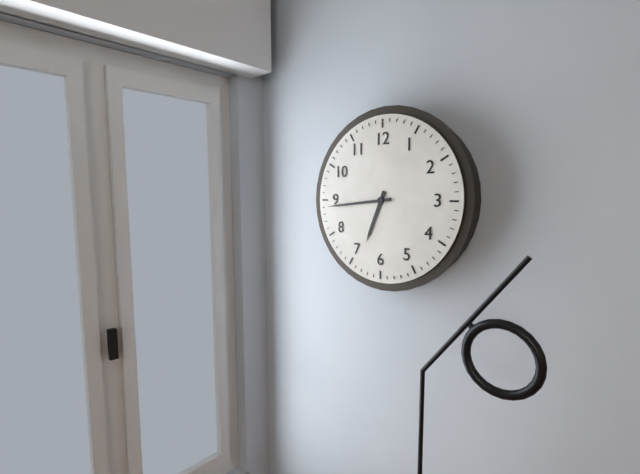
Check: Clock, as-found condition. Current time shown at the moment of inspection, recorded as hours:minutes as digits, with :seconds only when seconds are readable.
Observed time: 6:44
